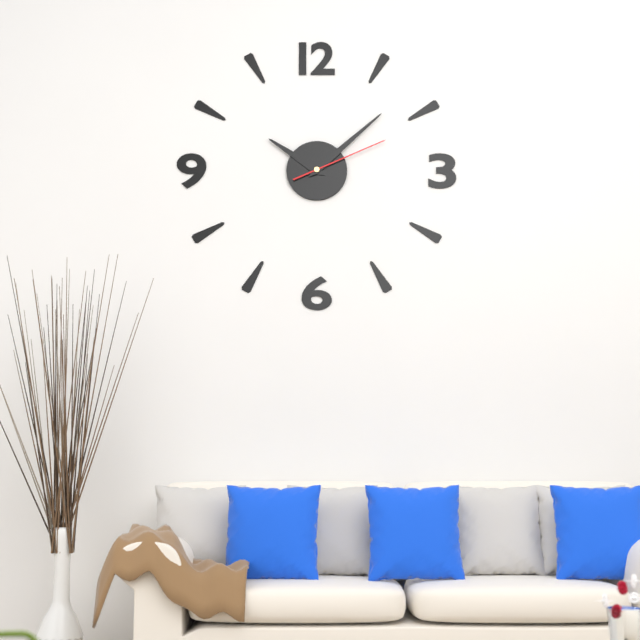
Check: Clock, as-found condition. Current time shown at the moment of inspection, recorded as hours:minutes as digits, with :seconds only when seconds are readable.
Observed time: 10:08:11
